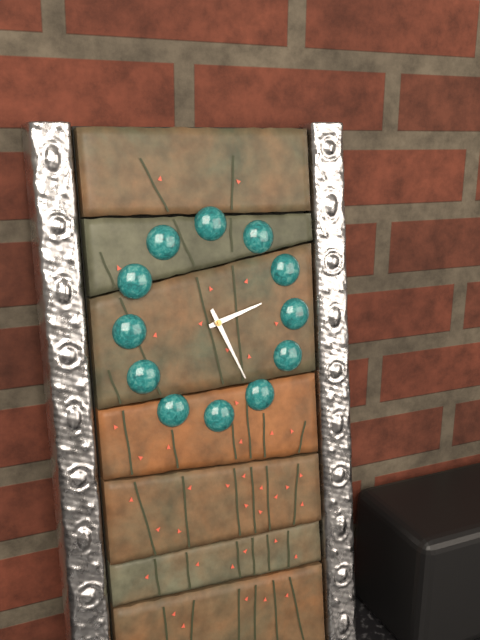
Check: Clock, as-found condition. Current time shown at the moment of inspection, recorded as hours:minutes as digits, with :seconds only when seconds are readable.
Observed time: 2:26
